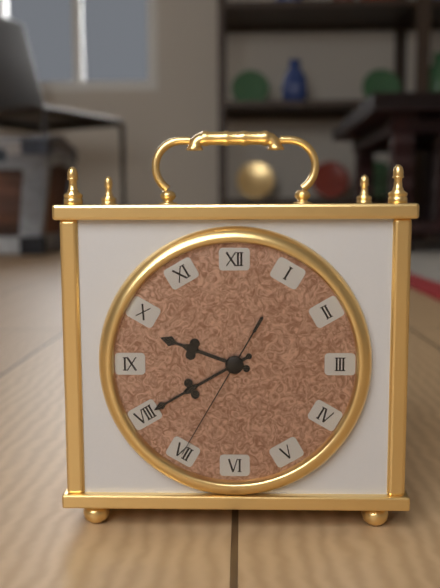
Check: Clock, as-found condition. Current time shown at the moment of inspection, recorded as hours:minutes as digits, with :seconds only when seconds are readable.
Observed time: 9:40:35
